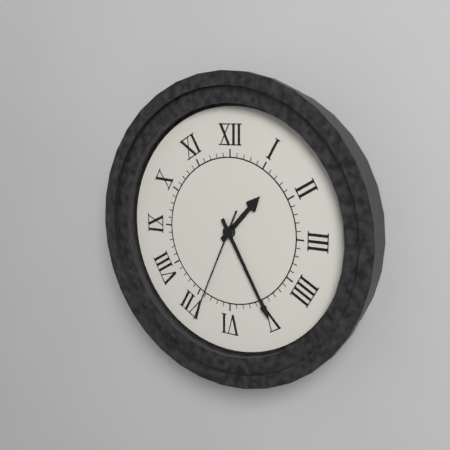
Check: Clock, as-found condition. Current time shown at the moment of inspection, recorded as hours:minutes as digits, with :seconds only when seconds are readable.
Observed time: 1:25:34
